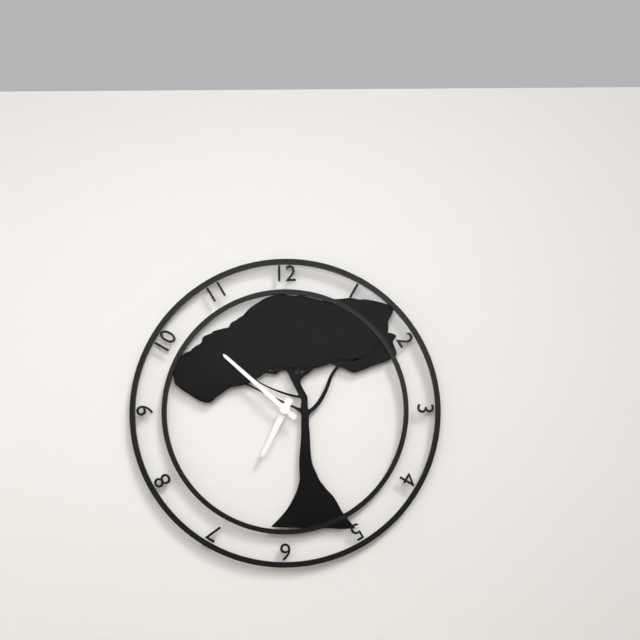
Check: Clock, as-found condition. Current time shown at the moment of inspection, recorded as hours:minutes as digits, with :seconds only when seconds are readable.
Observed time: 6:52
